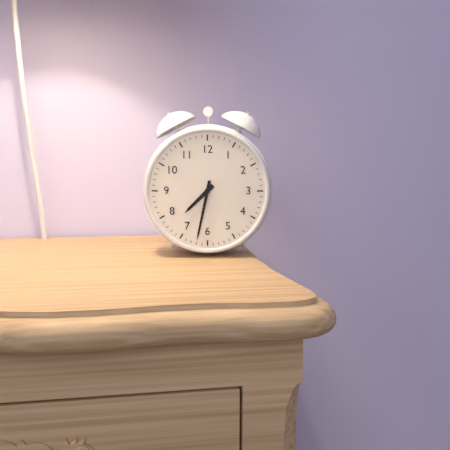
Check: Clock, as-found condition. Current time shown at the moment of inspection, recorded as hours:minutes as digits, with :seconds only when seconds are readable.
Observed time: 7:32
